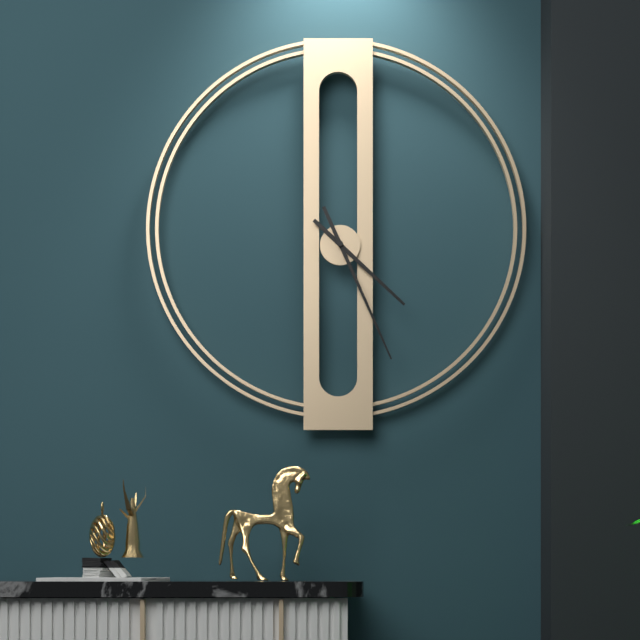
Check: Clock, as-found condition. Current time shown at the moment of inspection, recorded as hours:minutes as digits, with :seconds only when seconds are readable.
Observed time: 4:26
